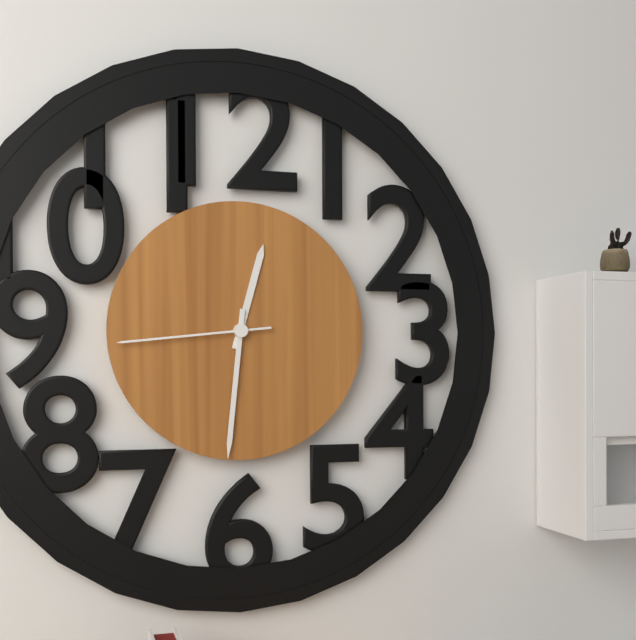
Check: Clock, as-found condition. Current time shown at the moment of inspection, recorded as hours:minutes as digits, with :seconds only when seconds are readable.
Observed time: 12:31:44
